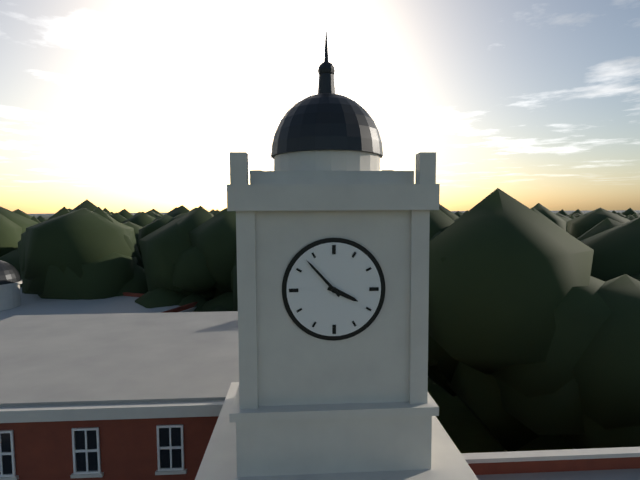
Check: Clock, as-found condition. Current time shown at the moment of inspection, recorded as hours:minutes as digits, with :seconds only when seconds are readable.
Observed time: 3:53
